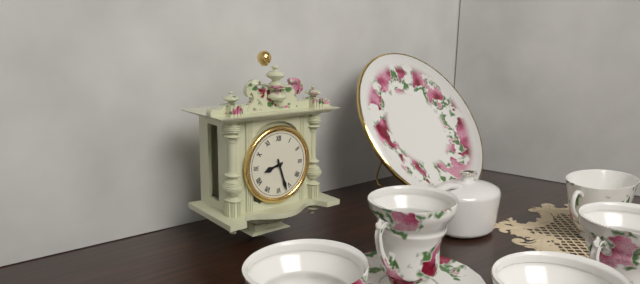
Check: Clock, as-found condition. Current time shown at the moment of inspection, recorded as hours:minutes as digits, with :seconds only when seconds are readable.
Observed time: 8:27
